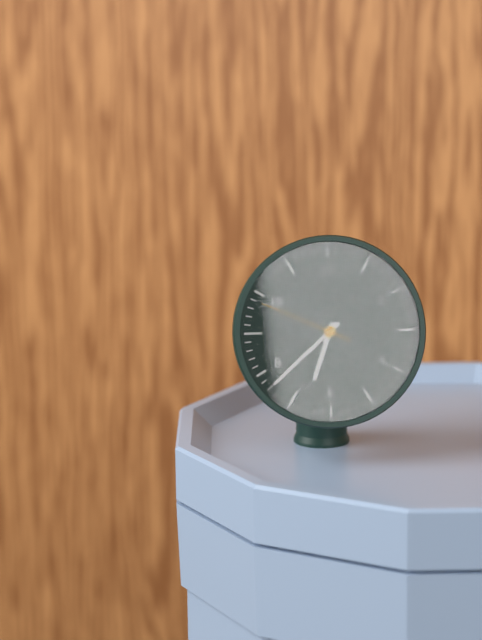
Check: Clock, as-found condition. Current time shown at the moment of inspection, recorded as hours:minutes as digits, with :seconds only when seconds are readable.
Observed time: 6:38:49
